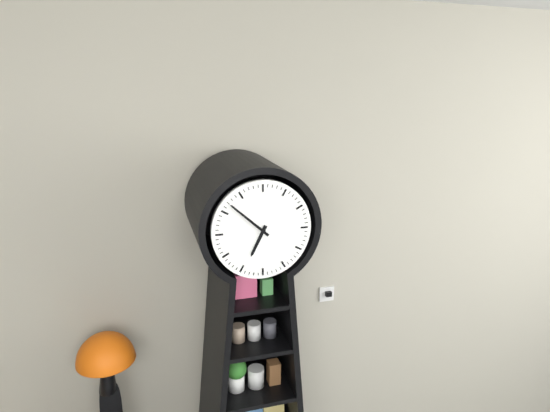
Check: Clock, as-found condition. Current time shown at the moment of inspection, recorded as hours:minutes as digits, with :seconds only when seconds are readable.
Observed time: 6:52
